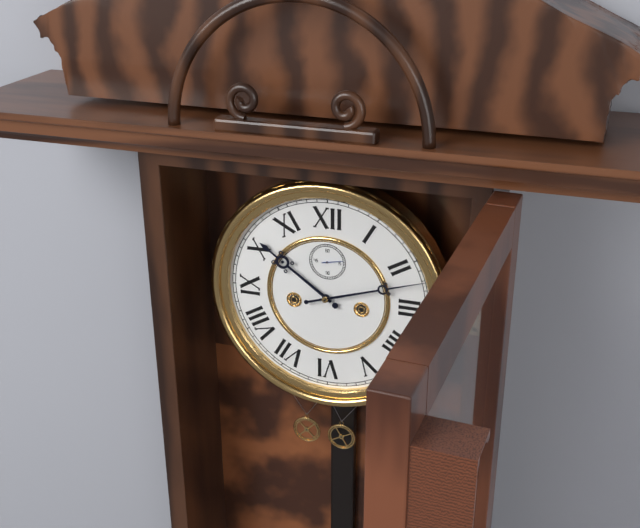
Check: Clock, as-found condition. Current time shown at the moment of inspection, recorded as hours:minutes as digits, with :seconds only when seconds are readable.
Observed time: 10:12
